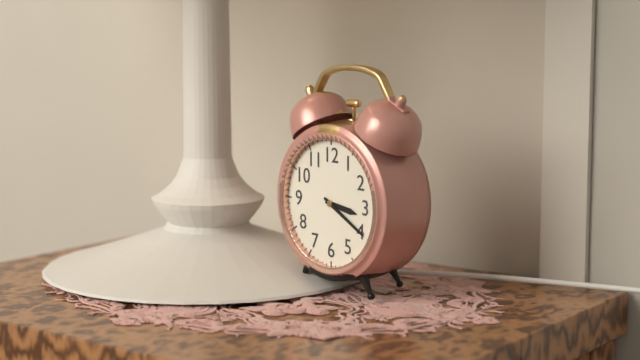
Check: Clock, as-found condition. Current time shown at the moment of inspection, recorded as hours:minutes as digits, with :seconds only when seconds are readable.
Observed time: 3:20
